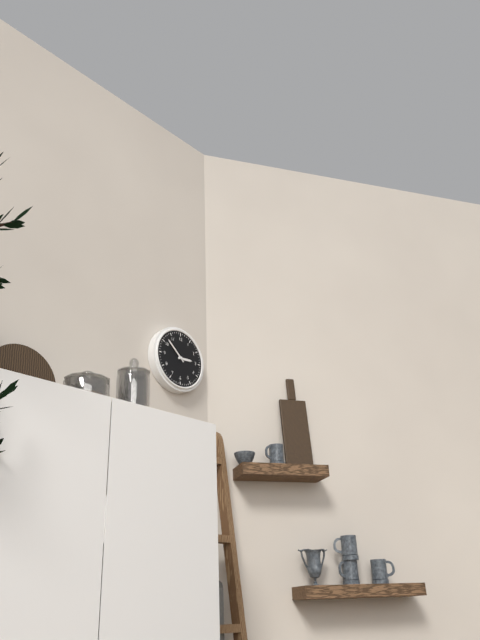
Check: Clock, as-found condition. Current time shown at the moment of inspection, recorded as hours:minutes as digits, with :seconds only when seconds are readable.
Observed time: 2:52
